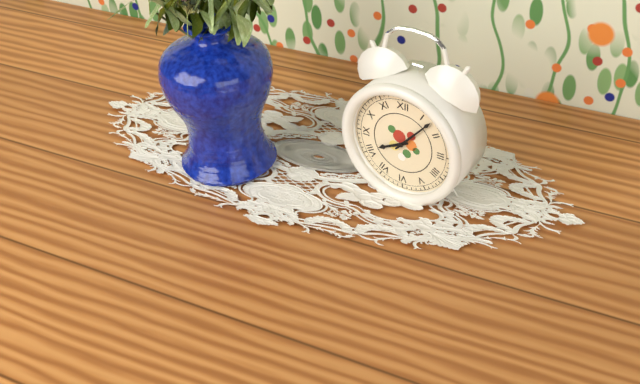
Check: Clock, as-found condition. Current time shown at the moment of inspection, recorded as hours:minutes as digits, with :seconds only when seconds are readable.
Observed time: 8:07
